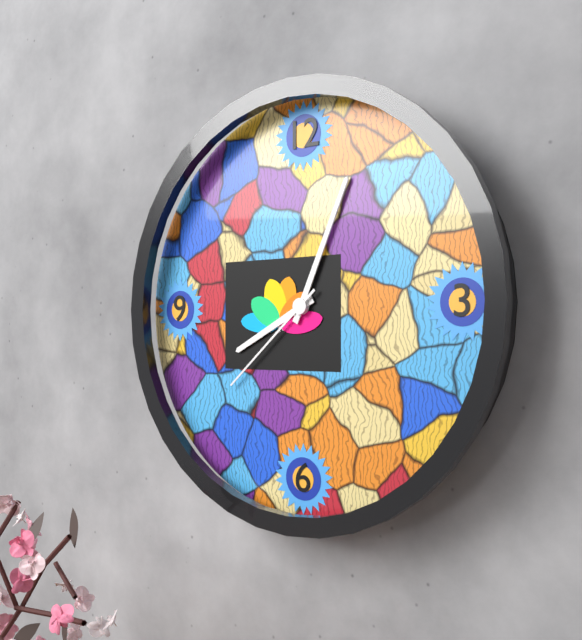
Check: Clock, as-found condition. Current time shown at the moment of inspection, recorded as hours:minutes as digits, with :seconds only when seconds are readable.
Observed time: 8:04:38
